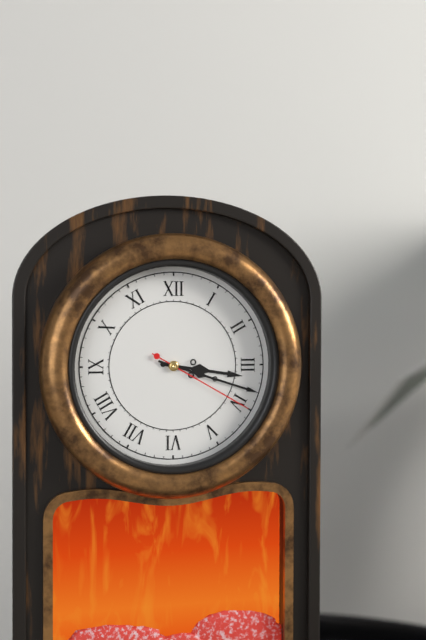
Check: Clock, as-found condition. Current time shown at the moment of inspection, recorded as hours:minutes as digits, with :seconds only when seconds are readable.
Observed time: 3:18:20
